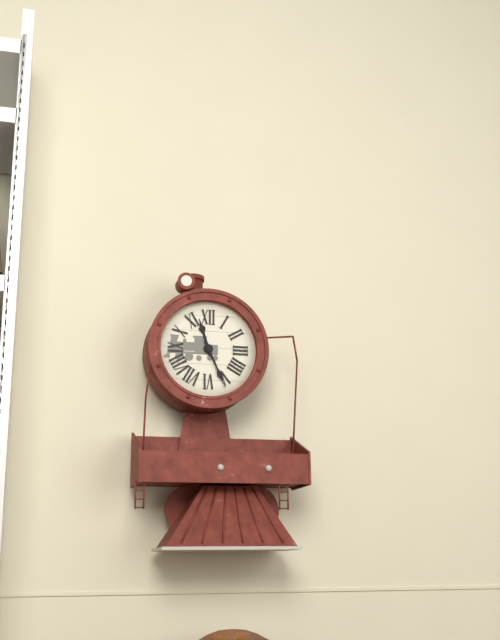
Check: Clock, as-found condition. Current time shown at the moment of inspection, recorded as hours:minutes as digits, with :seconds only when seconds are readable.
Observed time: 11:26
